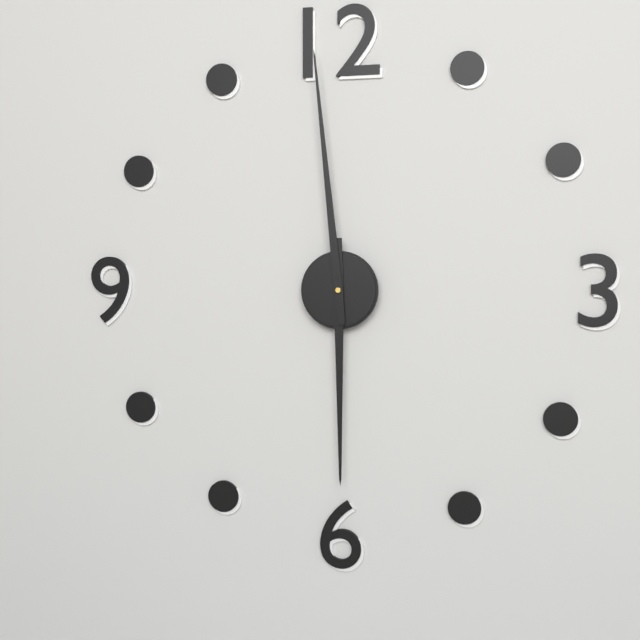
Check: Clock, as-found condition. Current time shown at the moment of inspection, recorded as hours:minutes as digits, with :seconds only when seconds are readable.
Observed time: 5:59
